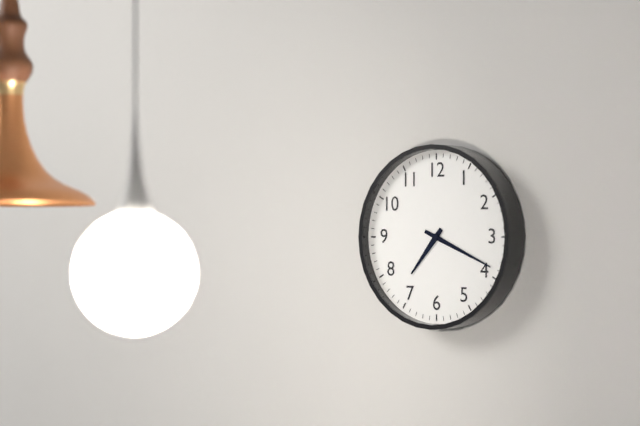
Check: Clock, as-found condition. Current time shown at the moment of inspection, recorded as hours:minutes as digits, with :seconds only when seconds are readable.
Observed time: 7:19
